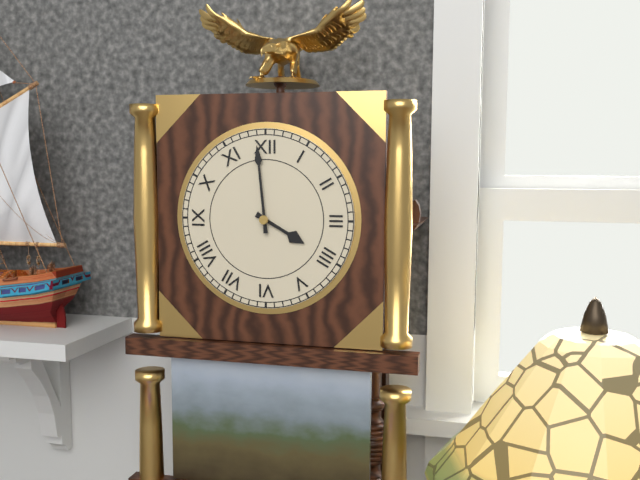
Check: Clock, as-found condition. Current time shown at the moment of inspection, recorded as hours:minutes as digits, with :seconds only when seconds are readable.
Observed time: 3:59
